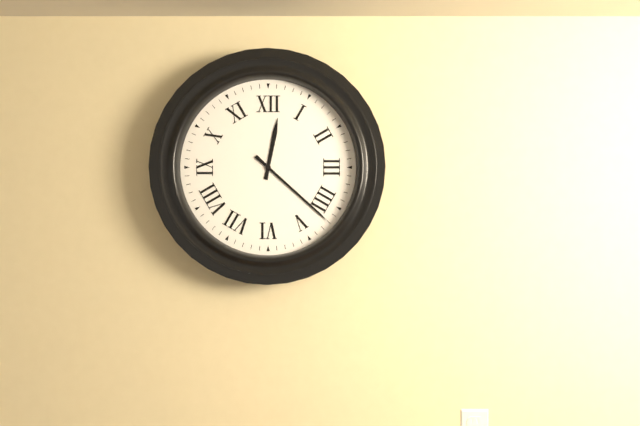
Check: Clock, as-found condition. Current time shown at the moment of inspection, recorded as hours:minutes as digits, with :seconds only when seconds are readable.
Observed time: 12:22
